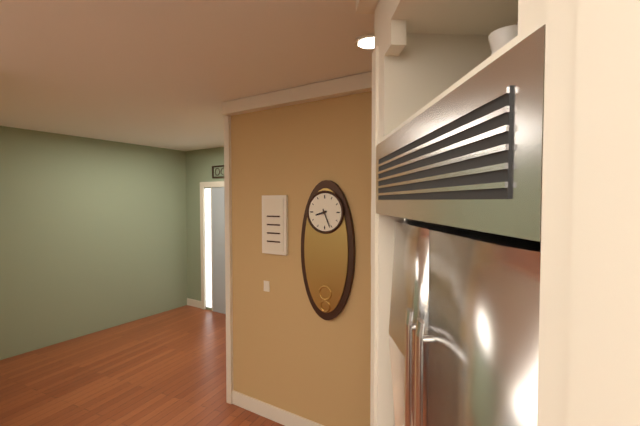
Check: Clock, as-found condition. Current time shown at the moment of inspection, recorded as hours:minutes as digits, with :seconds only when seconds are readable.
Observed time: 8:26
